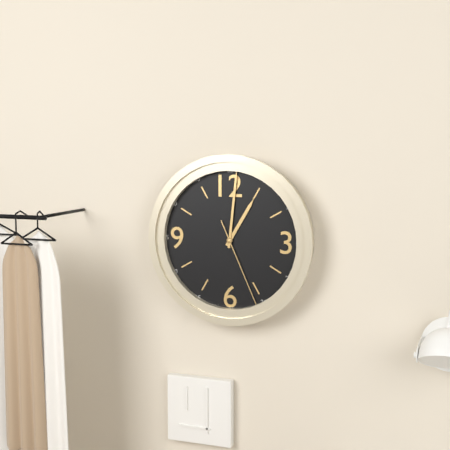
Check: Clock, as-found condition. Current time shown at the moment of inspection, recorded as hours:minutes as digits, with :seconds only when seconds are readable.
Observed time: 1:01:26
